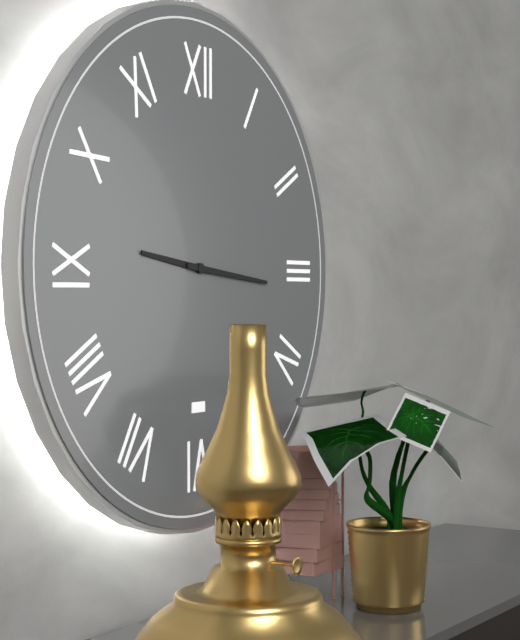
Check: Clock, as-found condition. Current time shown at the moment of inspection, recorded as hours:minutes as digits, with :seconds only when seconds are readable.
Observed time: 9:16
